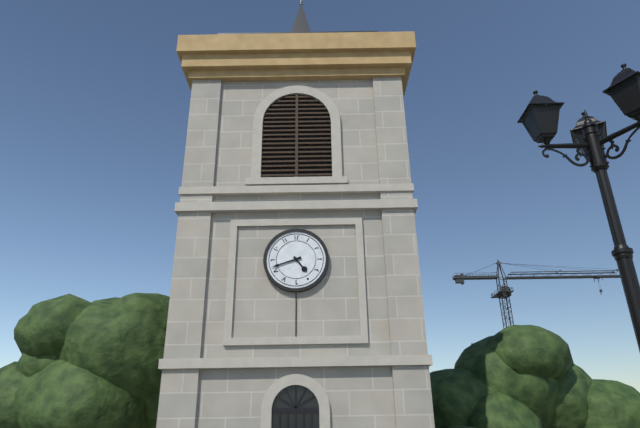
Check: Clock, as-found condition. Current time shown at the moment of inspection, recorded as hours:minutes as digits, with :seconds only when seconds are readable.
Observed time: 4:42
